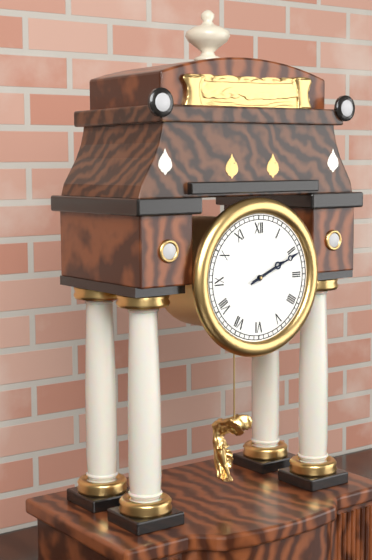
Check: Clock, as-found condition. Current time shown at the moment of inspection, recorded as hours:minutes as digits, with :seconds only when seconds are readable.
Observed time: 2:11
